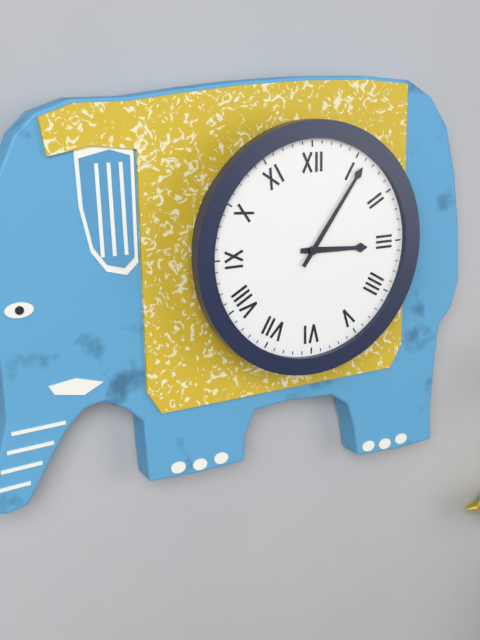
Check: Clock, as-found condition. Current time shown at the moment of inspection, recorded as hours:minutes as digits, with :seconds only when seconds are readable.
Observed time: 3:06
